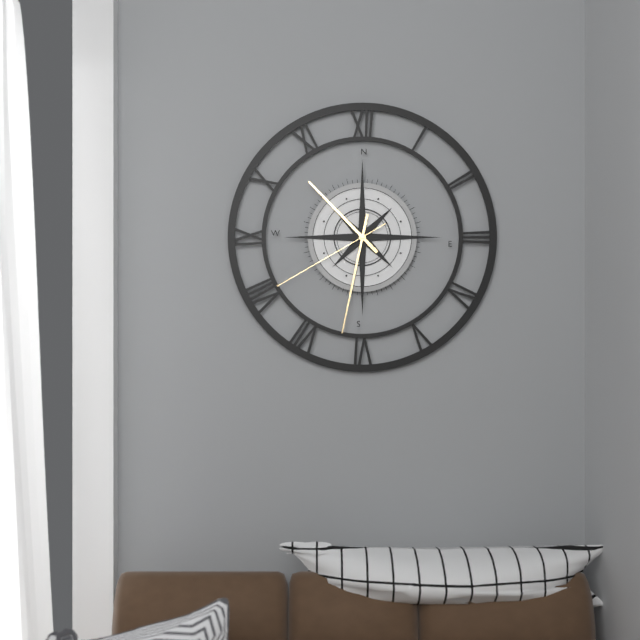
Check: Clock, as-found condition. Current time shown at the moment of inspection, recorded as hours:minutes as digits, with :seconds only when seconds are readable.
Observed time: 10:32:40
